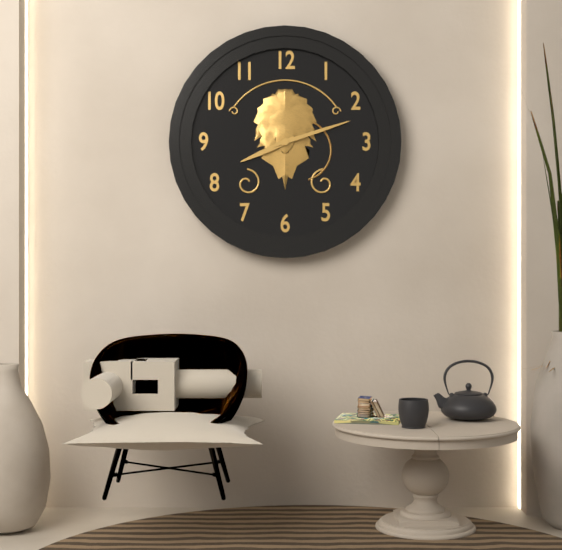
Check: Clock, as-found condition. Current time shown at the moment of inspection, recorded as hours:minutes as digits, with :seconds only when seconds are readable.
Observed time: 8:12
